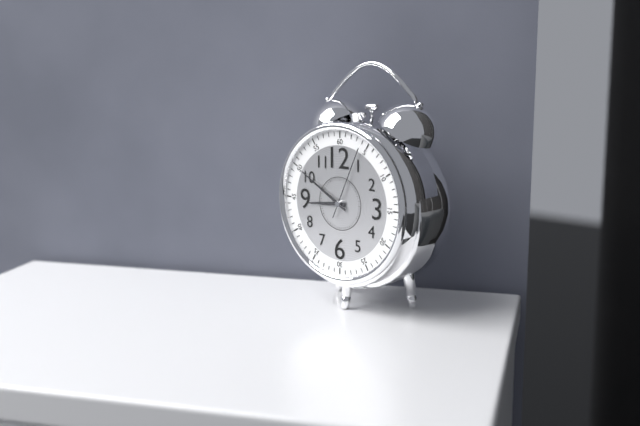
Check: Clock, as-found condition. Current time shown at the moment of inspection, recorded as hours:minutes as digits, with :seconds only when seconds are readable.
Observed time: 8:50:04
